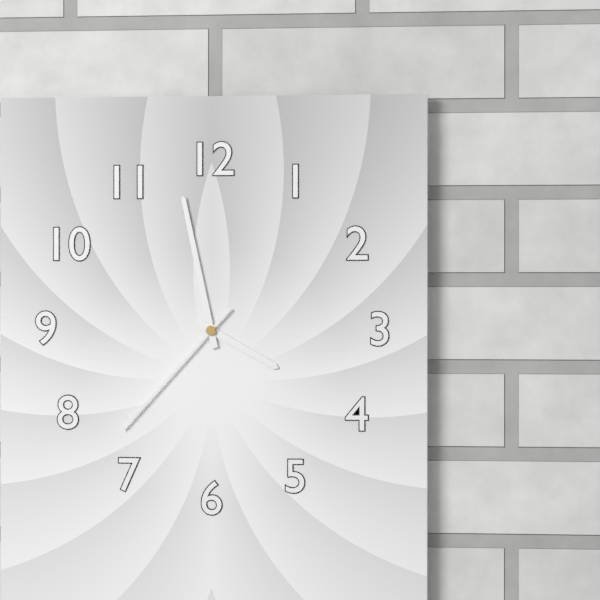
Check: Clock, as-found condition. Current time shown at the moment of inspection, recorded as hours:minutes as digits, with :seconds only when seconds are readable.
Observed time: 3:58:37
